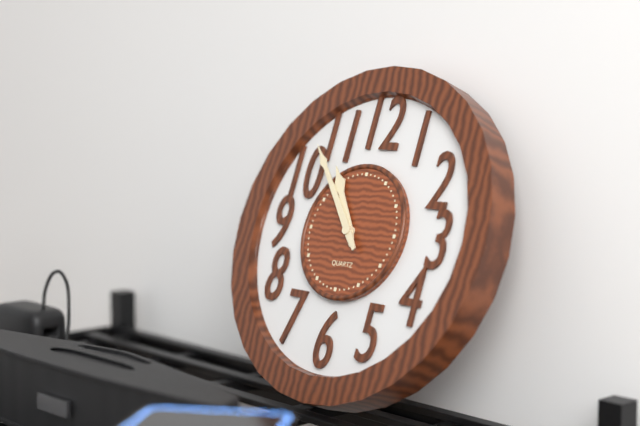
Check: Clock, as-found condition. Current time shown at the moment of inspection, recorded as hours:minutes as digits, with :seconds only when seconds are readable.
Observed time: 10:53
